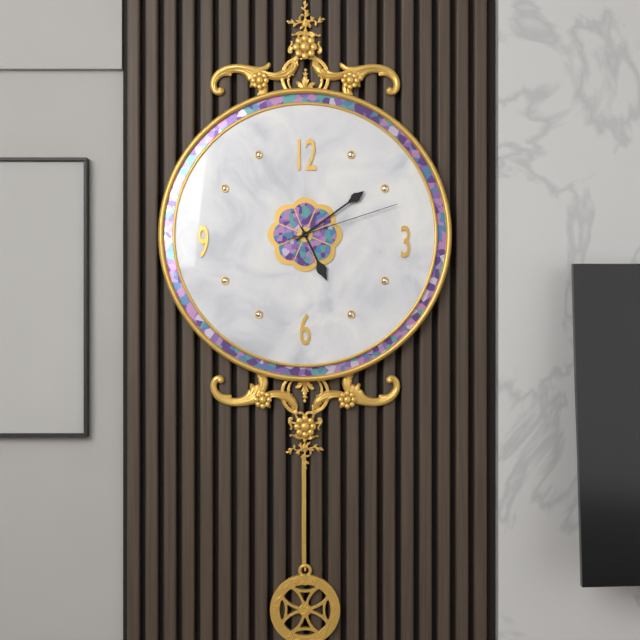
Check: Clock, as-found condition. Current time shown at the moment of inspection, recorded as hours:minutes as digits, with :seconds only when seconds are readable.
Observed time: 5:09:12
